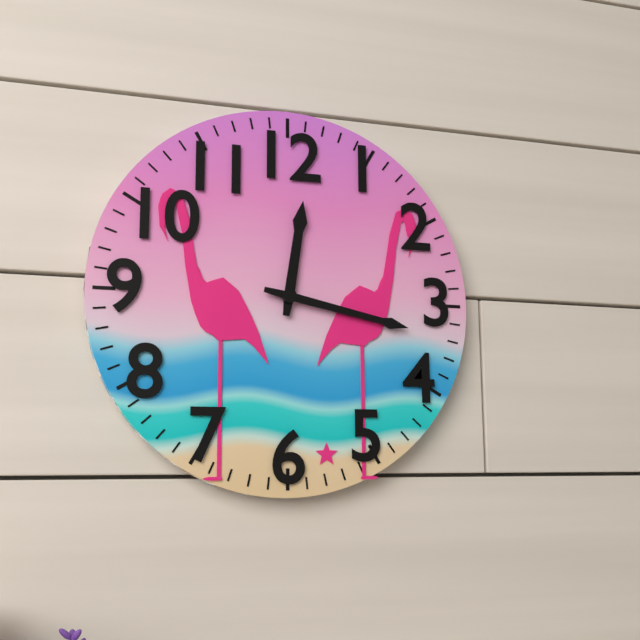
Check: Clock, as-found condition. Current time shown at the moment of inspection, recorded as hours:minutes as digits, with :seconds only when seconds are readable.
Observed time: 12:17
